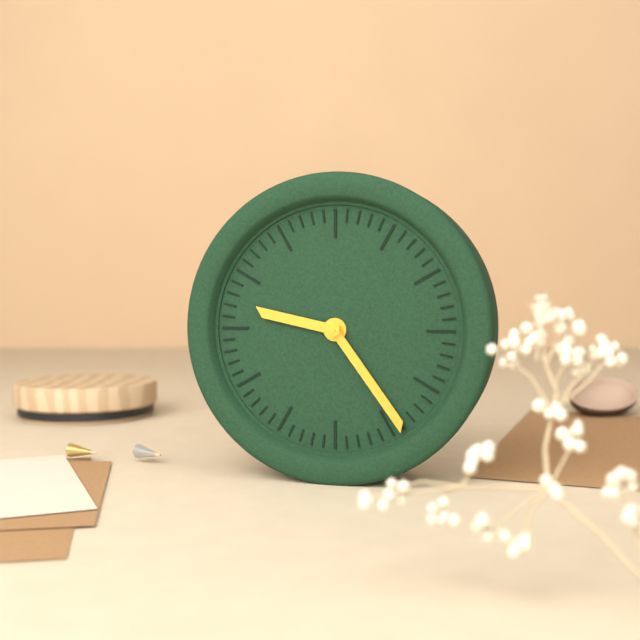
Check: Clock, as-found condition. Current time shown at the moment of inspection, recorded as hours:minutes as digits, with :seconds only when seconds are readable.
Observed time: 9:24
